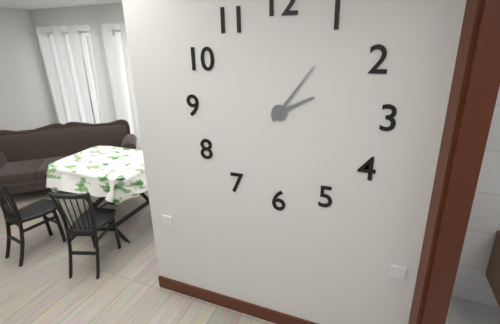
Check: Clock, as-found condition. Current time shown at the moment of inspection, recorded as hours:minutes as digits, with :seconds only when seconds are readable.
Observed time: 2:06
